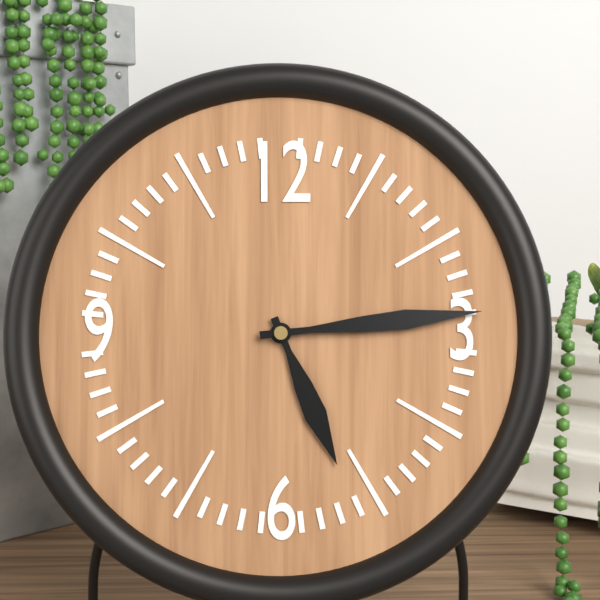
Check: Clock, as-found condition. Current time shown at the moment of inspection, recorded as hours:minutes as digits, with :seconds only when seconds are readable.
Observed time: 5:14
